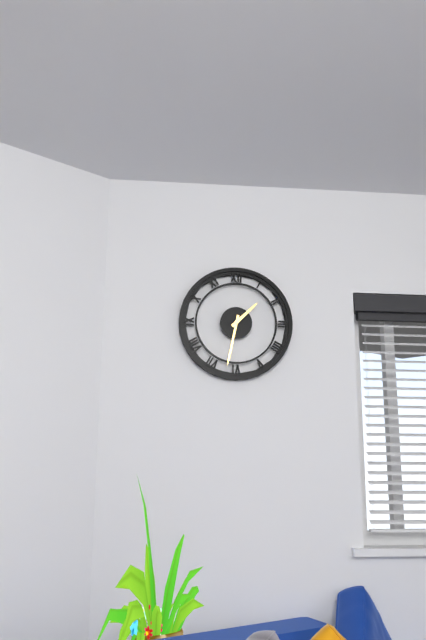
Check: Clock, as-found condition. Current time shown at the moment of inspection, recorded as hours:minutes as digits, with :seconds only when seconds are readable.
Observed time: 1:32
